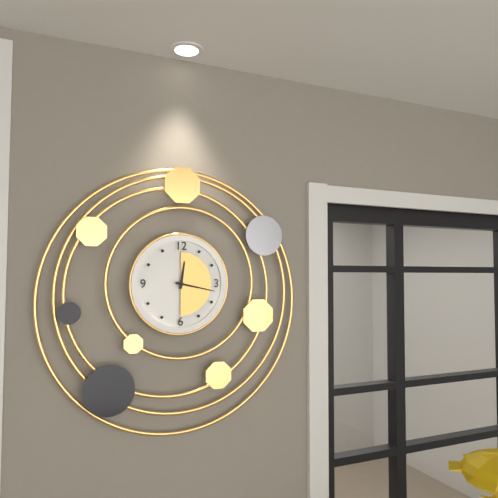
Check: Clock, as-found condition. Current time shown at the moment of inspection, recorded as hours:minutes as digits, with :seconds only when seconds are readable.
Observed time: 12:17
